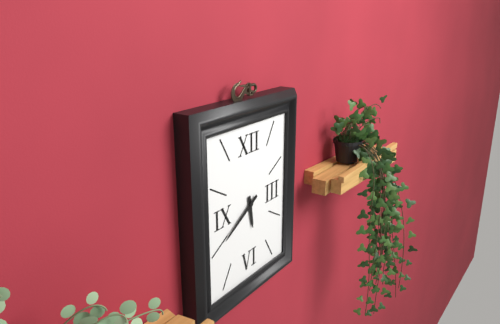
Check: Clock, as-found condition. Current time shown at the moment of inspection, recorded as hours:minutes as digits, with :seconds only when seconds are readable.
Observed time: 5:40
